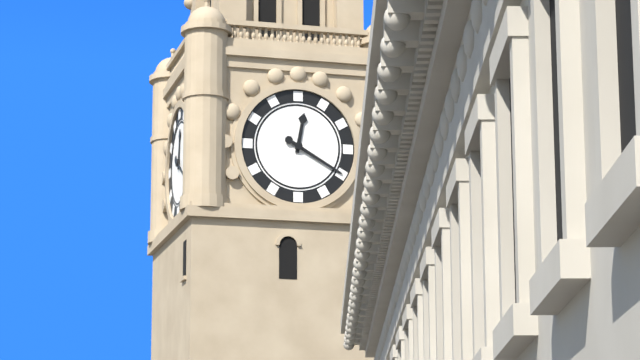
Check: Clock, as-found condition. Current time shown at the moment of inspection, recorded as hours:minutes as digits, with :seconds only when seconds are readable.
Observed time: 12:20
